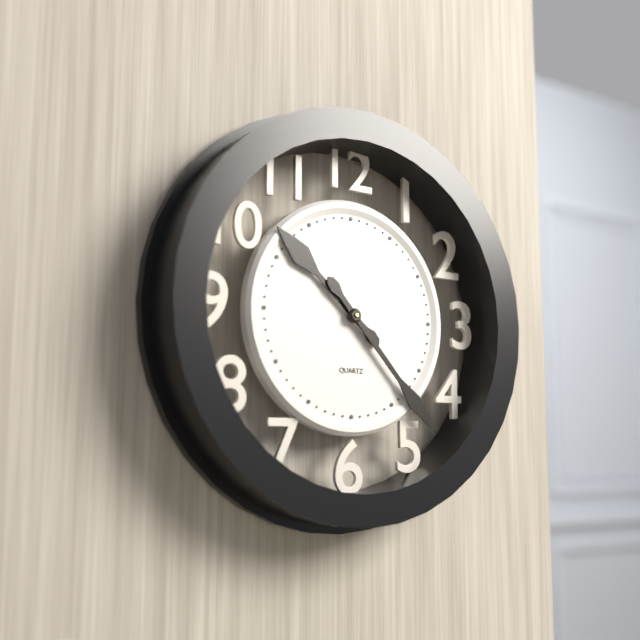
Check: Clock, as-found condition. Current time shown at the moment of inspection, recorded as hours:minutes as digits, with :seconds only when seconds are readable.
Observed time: 10:23
